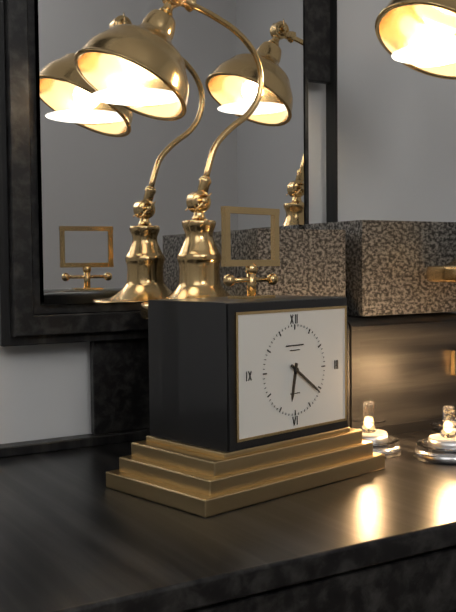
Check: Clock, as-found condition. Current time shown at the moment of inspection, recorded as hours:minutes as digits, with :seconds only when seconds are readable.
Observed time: 6:21
